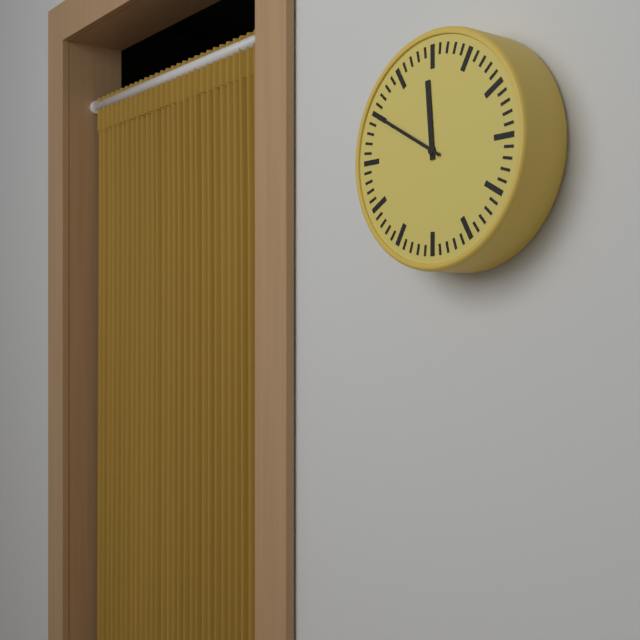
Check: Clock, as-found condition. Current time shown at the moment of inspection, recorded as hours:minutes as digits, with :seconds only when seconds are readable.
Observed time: 11:50
